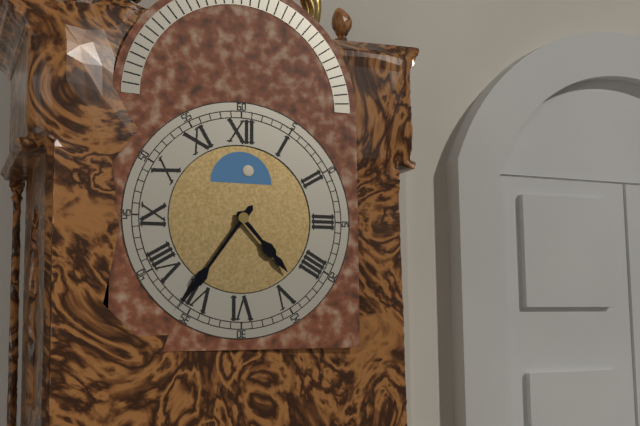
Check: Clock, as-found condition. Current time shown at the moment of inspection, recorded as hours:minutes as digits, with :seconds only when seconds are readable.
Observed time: 4:36
